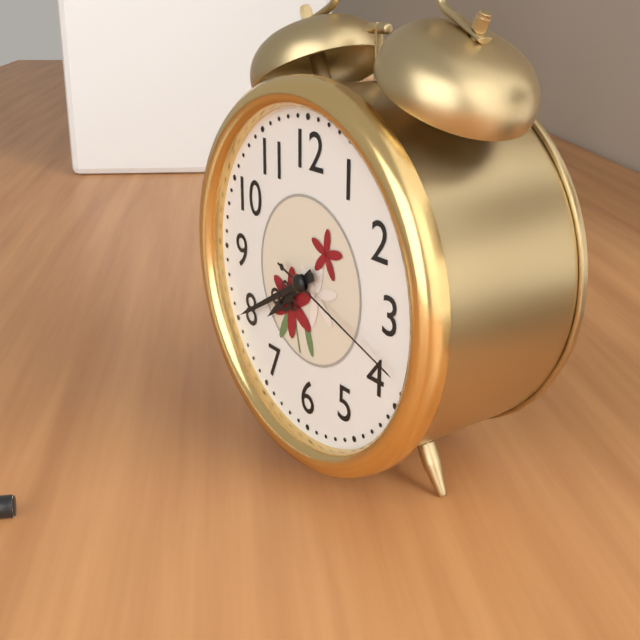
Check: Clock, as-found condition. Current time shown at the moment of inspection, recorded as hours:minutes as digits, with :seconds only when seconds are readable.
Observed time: 7:40:18
